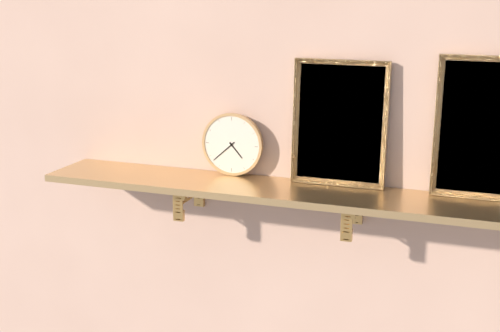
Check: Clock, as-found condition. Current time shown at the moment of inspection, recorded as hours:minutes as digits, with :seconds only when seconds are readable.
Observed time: 4:38
